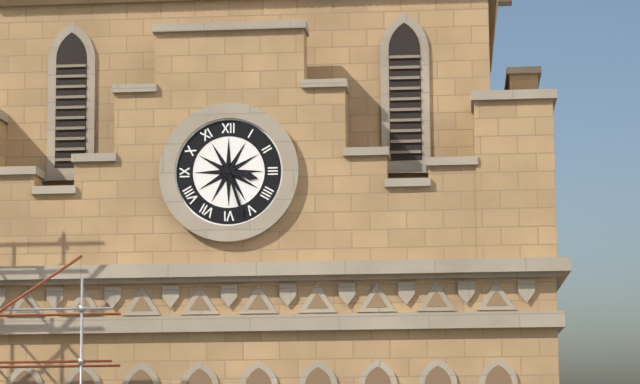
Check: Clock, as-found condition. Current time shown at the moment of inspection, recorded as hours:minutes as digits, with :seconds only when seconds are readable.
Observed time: 3:27
